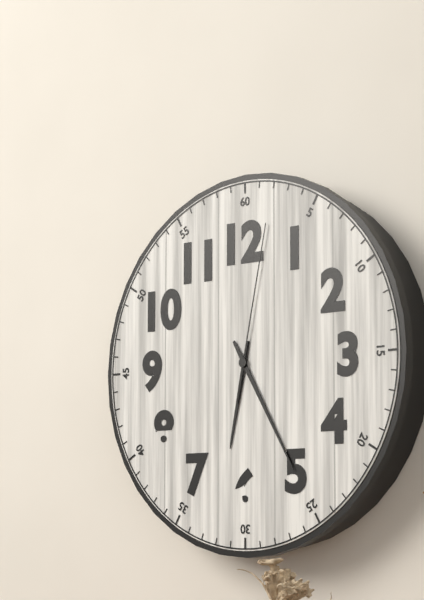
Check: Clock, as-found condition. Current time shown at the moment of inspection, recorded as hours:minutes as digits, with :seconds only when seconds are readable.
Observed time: 6:25:02
